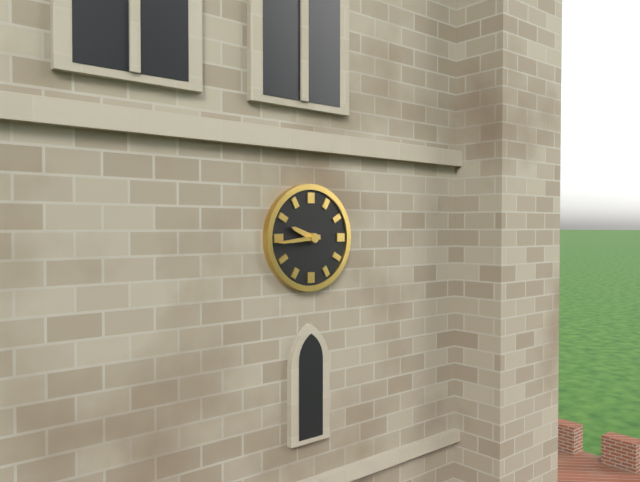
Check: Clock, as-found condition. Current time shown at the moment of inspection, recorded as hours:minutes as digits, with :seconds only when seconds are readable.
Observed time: 9:44
